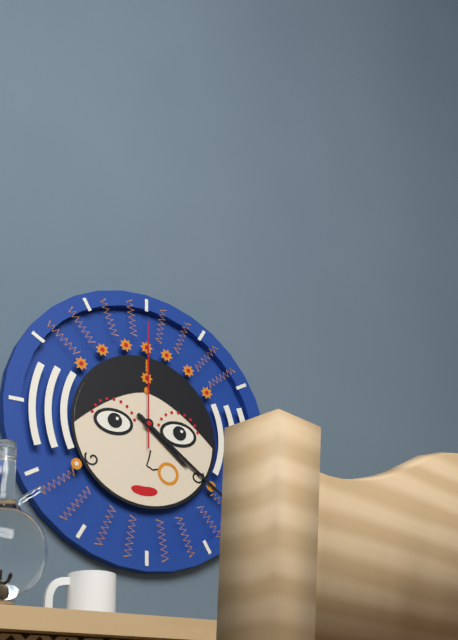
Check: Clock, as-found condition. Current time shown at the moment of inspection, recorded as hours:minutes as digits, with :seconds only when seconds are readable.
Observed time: 4:21:00
